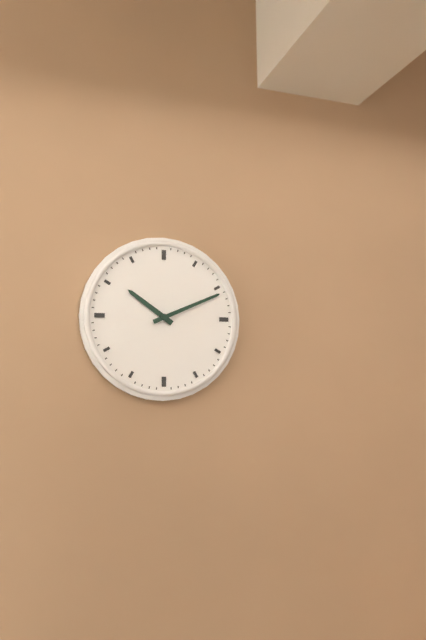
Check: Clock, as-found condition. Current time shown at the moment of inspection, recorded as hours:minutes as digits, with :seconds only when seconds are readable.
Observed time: 10:11
